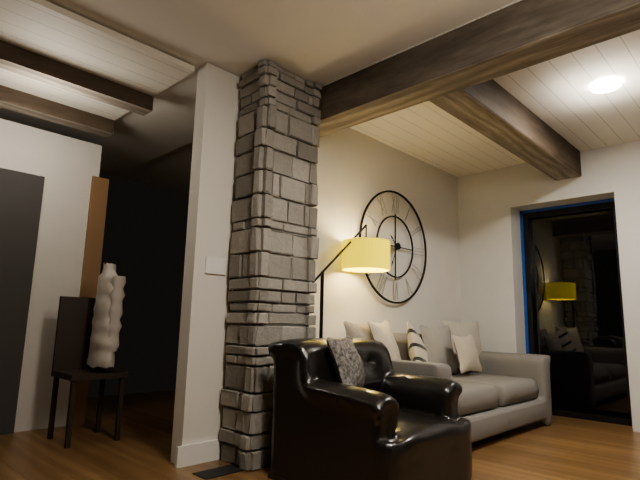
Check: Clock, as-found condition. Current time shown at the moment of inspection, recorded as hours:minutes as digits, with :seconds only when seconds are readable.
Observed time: 10:34
